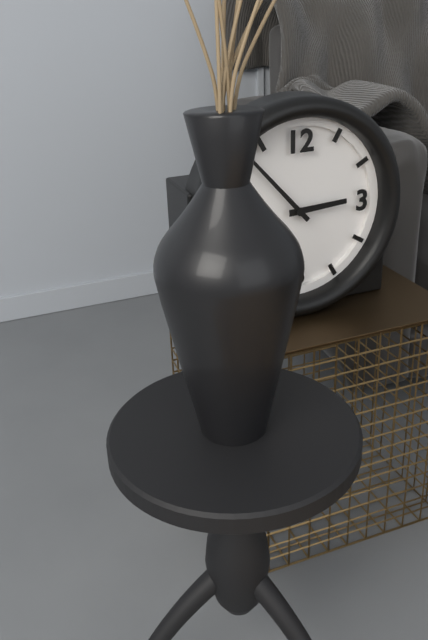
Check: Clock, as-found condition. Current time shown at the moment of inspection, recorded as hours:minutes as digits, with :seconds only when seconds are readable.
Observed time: 2:53
